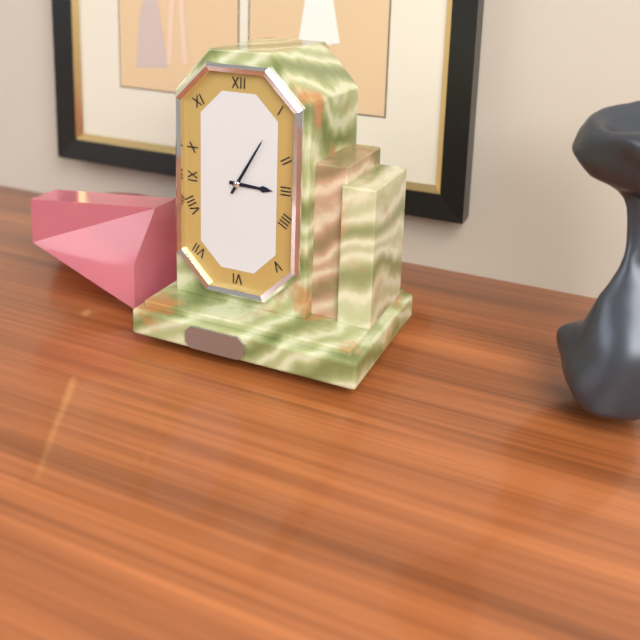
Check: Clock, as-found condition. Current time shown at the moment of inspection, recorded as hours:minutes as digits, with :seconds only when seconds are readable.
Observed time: 3:05
